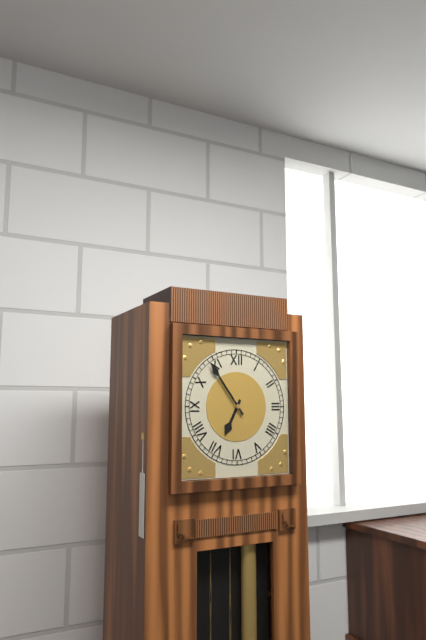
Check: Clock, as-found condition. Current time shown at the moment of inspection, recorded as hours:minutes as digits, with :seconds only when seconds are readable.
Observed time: 6:54
